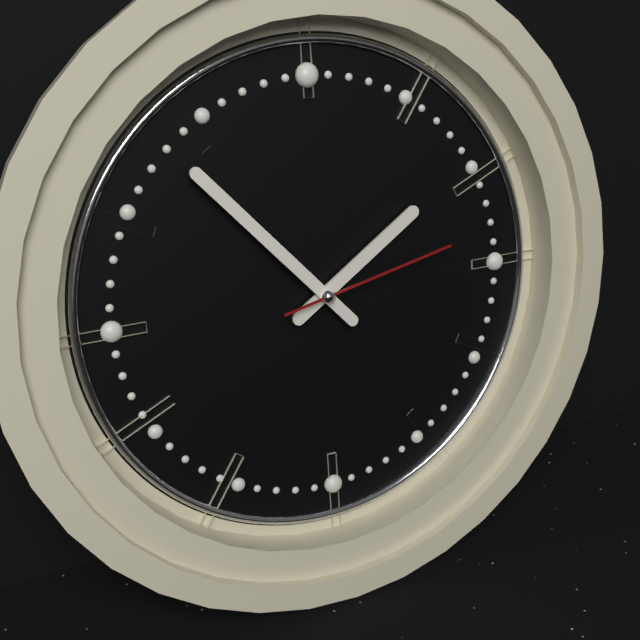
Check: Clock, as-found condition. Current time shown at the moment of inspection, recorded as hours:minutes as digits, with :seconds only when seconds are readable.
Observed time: 1:53:13
